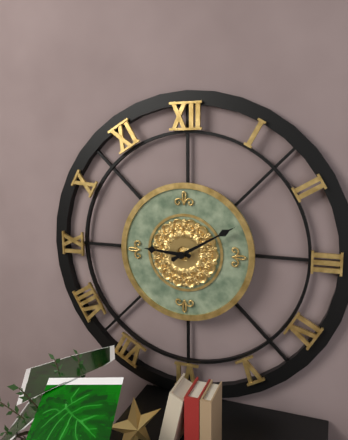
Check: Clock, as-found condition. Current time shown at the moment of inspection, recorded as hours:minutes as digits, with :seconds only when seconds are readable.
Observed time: 9:10
